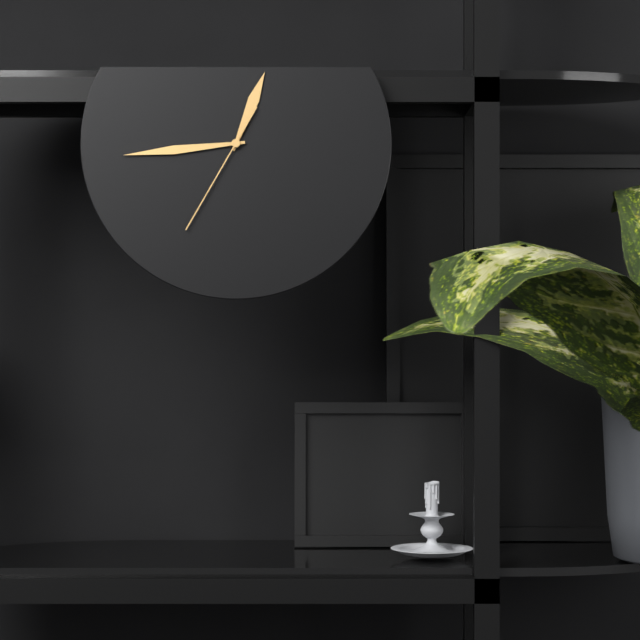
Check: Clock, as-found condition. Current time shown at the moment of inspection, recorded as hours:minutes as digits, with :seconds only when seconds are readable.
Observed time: 12:44:35
